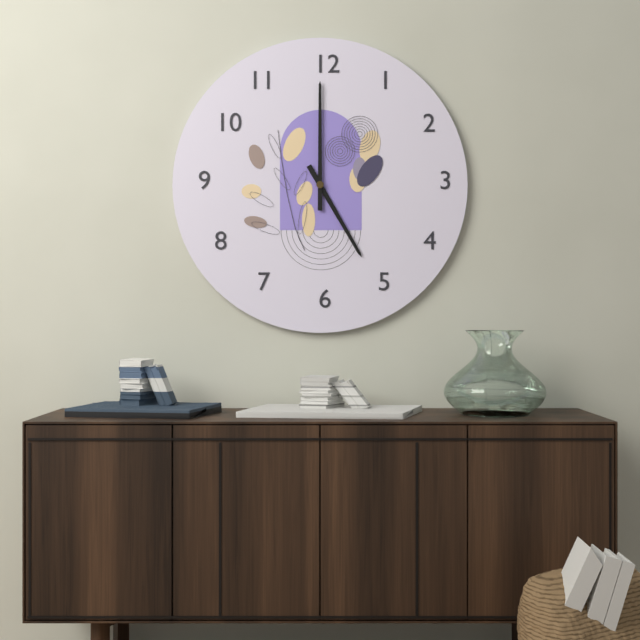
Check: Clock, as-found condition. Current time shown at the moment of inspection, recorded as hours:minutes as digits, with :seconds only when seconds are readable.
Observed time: 5:00
